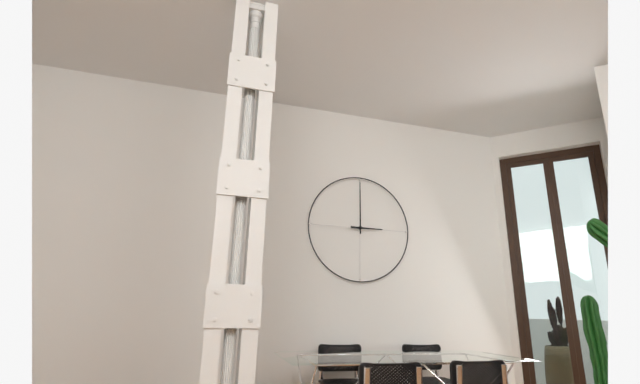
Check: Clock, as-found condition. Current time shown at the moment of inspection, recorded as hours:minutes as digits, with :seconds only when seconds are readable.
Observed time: 3:00
